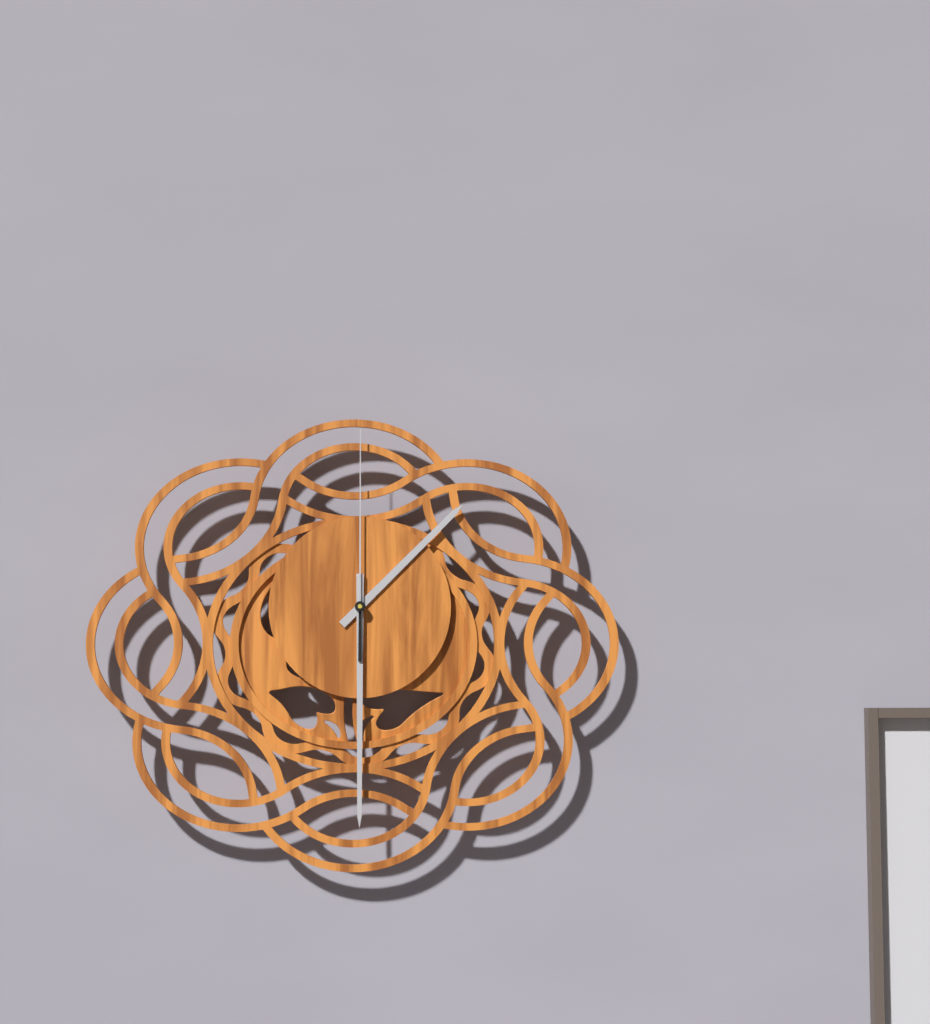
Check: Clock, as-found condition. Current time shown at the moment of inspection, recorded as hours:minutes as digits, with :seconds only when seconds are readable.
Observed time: 1:30:00
